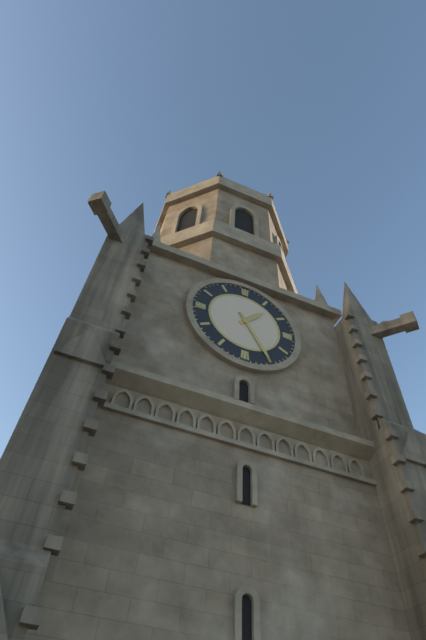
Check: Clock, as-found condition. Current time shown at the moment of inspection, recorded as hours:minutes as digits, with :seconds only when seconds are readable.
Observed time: 1:25
